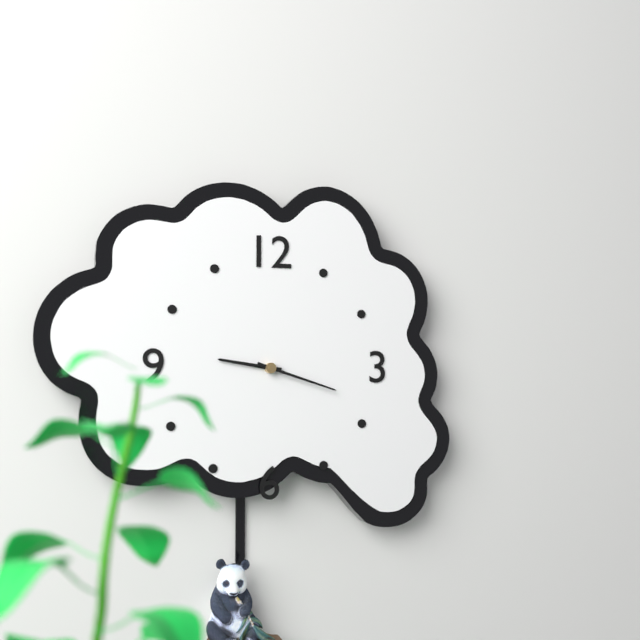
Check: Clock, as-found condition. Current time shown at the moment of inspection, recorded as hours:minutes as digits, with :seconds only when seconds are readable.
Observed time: 9:18
